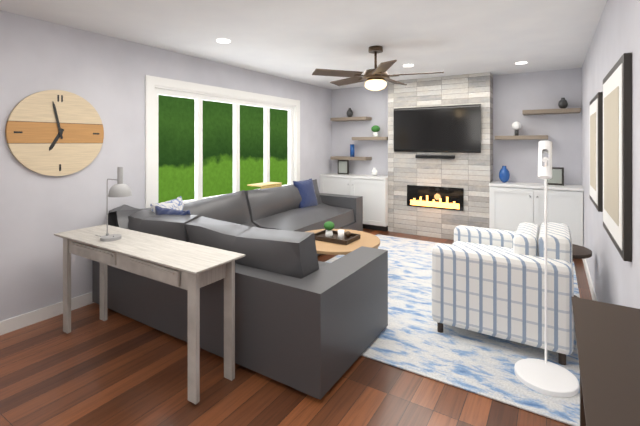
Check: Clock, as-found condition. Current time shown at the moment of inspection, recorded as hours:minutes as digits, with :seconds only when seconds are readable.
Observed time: 6:58
